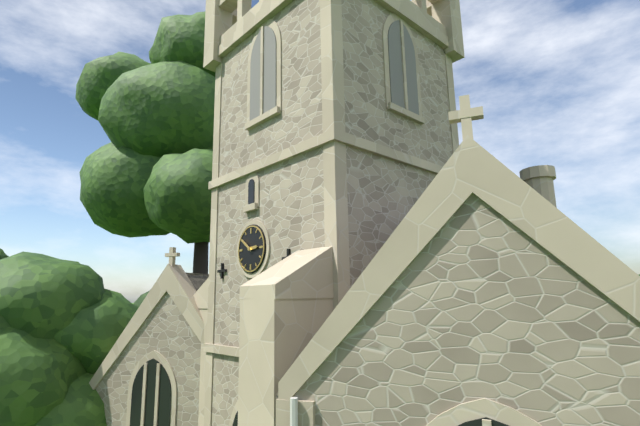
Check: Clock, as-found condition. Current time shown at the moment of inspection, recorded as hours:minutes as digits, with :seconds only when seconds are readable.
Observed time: 2:51
